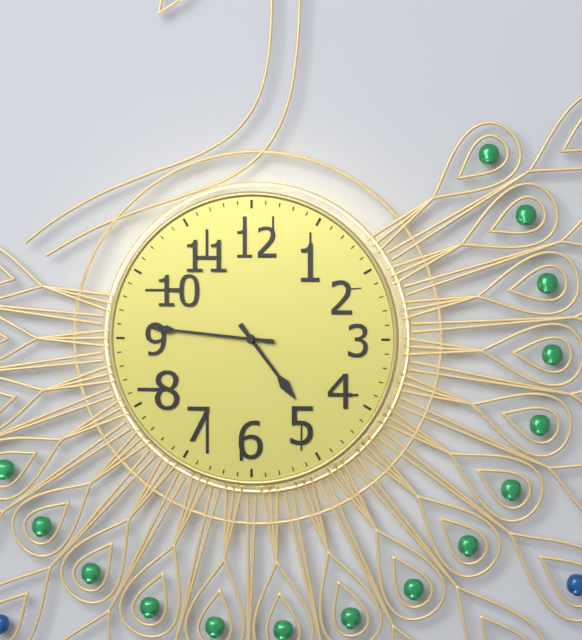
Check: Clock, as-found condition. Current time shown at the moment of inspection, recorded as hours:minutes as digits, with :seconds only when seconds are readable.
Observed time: 4:46
